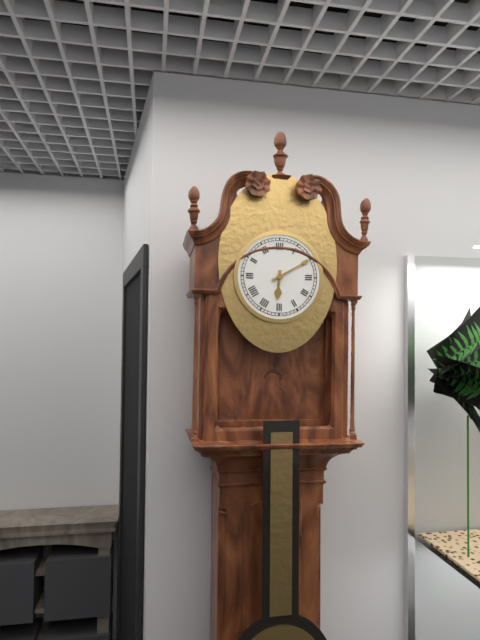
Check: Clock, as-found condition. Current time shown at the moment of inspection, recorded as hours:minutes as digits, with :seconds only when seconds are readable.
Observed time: 6:10
